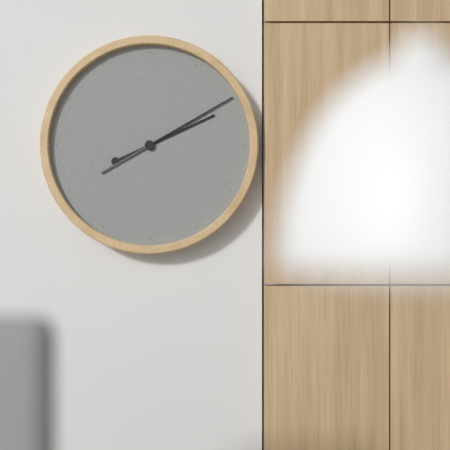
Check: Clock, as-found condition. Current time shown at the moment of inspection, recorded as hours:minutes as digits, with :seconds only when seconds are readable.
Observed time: 2:10
